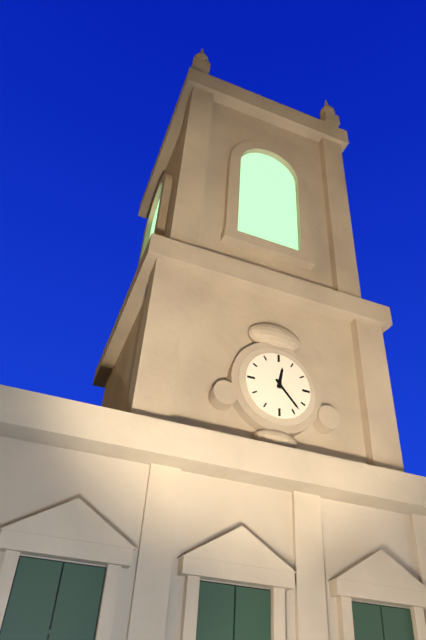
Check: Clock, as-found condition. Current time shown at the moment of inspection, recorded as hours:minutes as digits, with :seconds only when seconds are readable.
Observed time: 12:23
